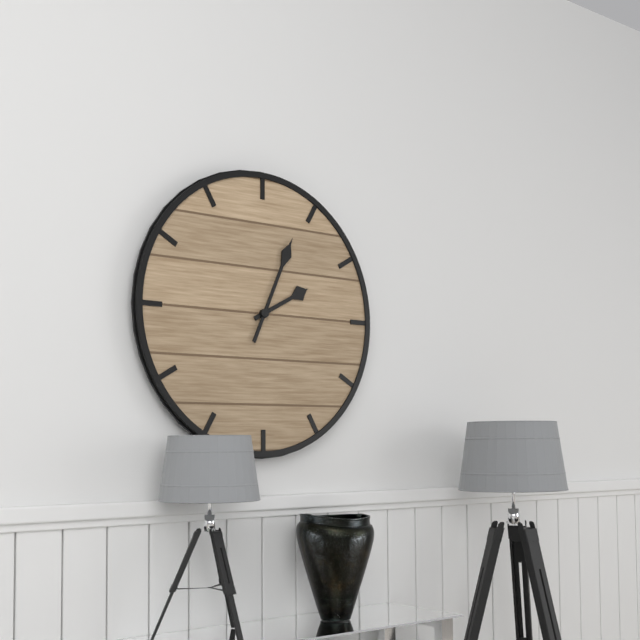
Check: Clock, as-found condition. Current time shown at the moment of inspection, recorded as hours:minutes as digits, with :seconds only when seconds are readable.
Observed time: 2:04
